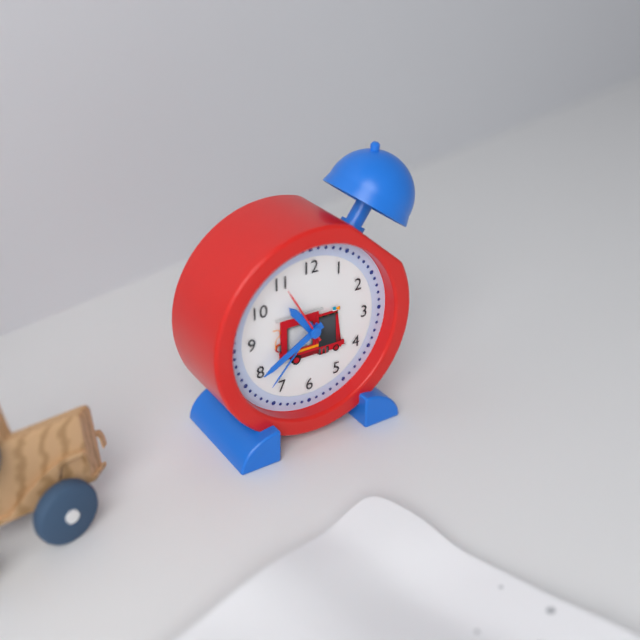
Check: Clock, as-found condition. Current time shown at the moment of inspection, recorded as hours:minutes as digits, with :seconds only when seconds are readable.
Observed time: 10:40
